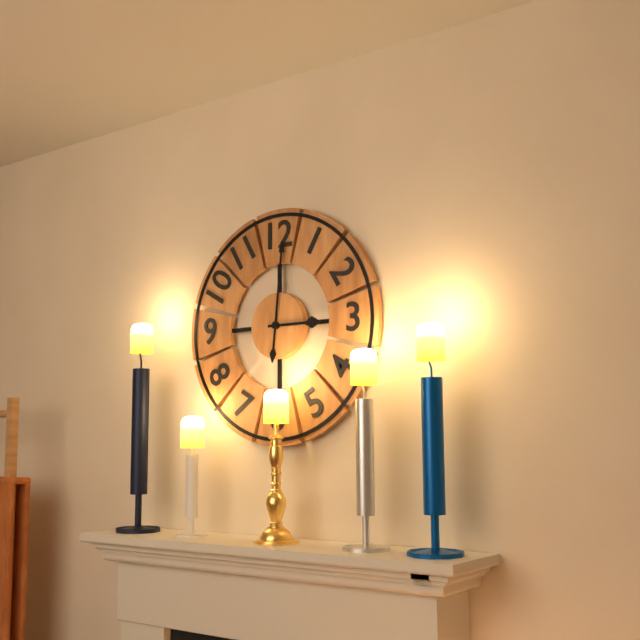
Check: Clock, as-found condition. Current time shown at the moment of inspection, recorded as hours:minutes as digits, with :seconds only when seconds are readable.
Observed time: 3:01
